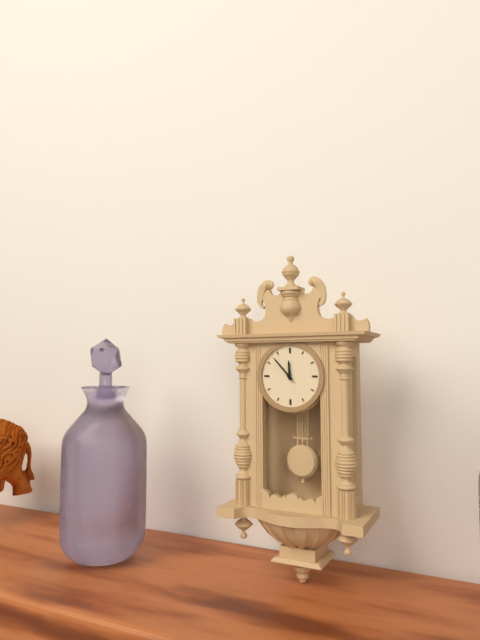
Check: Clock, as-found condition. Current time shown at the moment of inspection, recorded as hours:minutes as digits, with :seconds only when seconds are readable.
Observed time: 11:53
